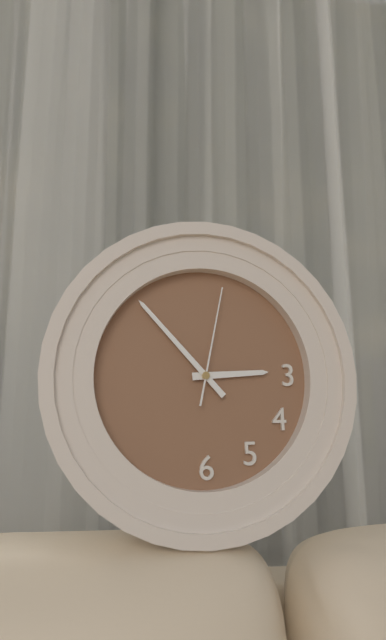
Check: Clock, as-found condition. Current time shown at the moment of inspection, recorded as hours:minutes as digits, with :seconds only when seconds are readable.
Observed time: 2:53:02
